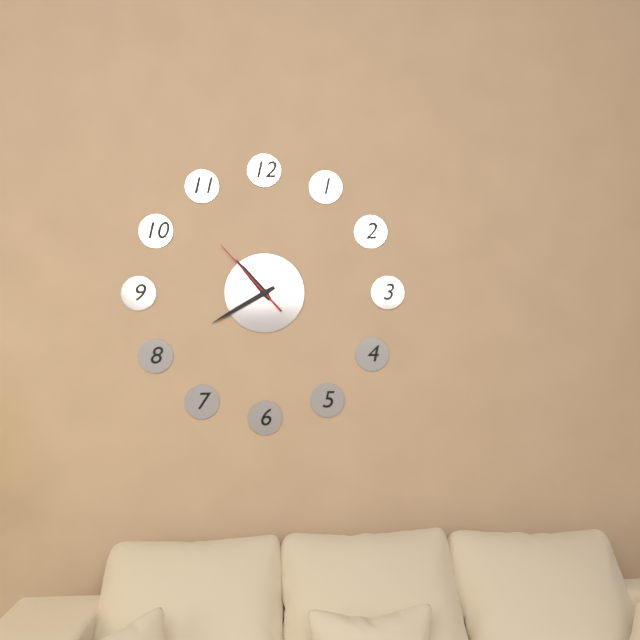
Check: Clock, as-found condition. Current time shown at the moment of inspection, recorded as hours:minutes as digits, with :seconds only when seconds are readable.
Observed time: 10:40:53
